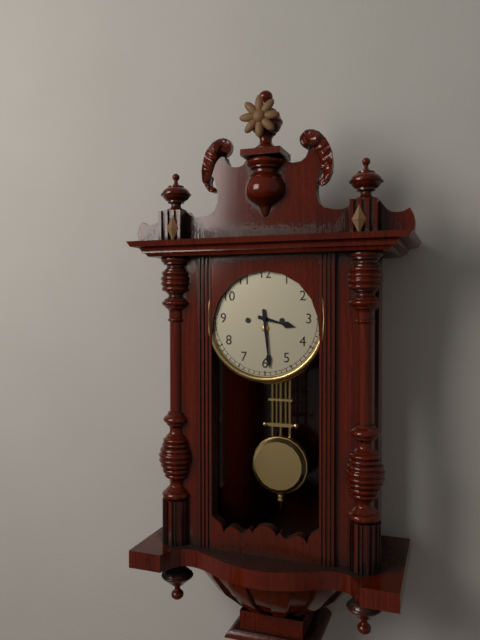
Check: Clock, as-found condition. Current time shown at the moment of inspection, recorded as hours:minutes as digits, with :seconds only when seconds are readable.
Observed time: 3:29
